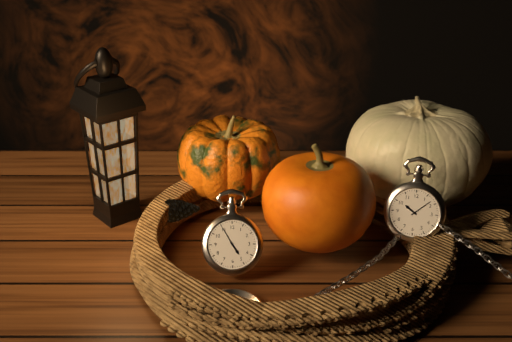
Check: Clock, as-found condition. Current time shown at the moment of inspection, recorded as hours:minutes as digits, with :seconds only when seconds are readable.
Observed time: 4:55
